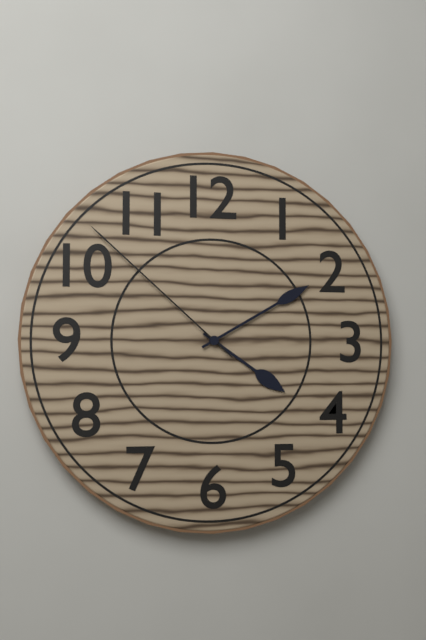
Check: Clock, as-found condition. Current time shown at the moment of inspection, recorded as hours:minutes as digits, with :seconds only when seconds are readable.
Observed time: 4:10:52
